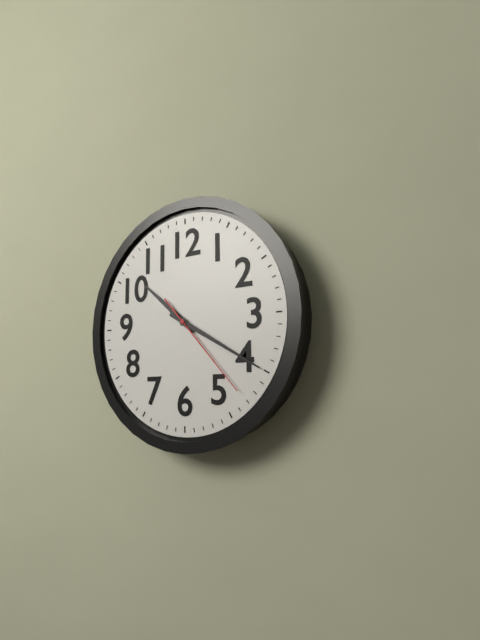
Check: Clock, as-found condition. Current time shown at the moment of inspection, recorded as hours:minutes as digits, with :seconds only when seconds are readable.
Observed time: 10:20:23
